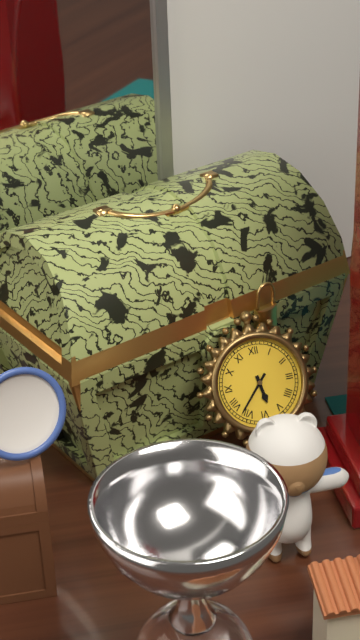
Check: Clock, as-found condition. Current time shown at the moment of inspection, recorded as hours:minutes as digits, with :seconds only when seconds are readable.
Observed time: 5:37
